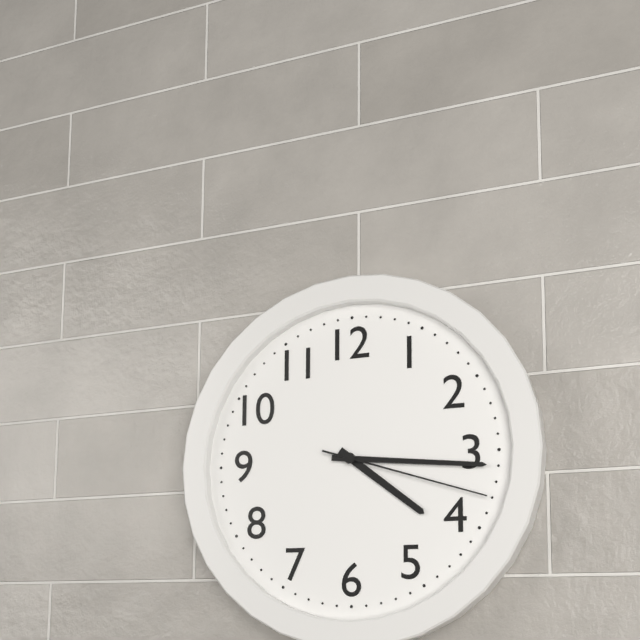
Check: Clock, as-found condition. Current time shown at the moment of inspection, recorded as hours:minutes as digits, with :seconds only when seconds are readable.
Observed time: 4:16:18
